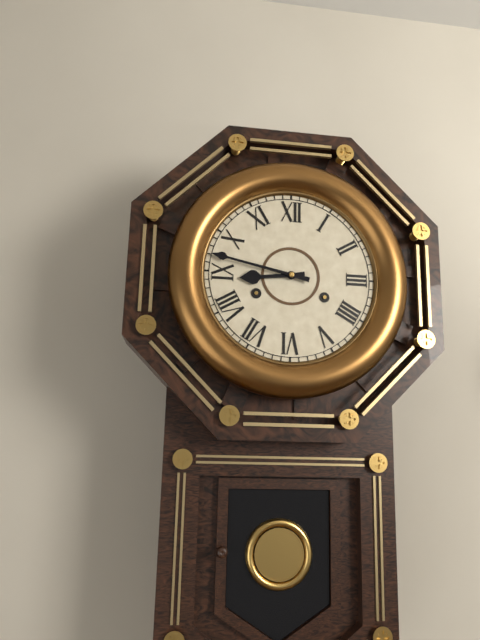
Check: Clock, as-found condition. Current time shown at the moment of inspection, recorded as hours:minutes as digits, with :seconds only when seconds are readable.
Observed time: 8:47
